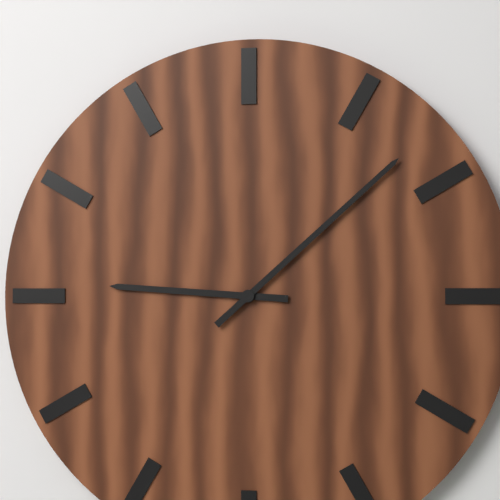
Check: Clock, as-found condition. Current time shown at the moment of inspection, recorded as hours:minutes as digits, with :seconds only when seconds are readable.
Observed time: 9:08
